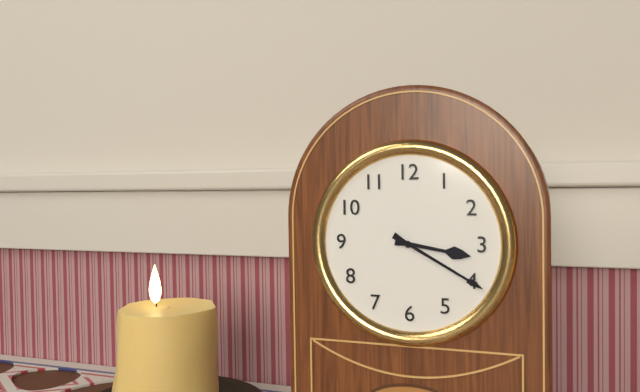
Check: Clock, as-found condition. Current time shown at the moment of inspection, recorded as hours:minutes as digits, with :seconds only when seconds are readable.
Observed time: 3:20
